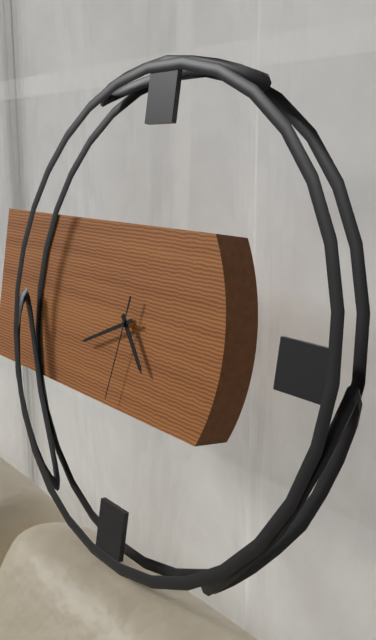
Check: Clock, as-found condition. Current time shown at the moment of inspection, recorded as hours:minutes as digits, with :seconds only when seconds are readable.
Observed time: 4:41:32
